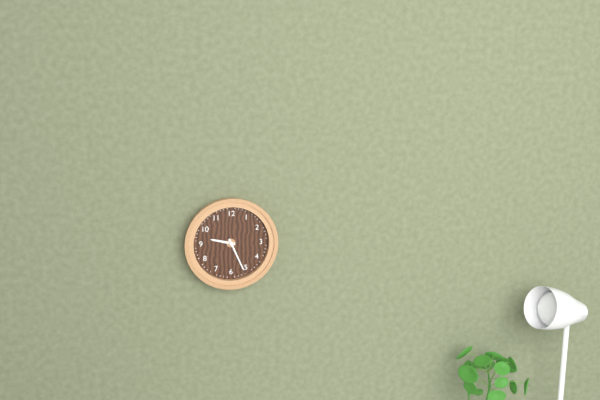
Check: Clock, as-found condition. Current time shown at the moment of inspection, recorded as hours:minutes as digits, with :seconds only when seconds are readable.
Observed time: 9:26
